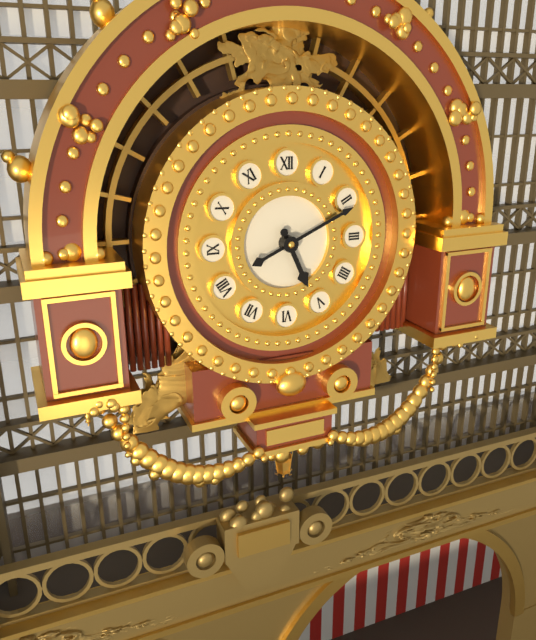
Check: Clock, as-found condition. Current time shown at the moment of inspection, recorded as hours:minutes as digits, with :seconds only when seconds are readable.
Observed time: 5:11
